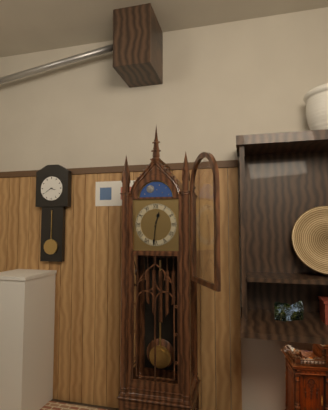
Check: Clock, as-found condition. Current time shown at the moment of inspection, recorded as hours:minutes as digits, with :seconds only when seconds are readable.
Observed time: 12:31
